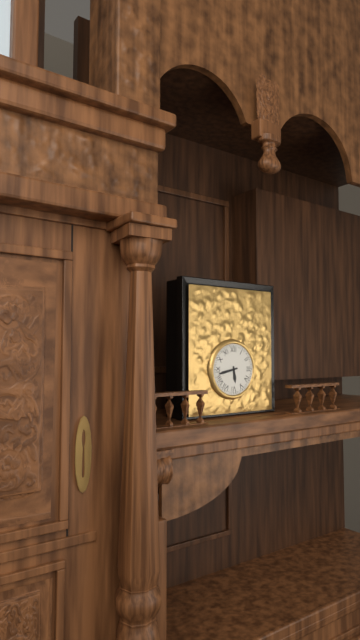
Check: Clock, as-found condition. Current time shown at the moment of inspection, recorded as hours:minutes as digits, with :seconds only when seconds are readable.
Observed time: 5:43
